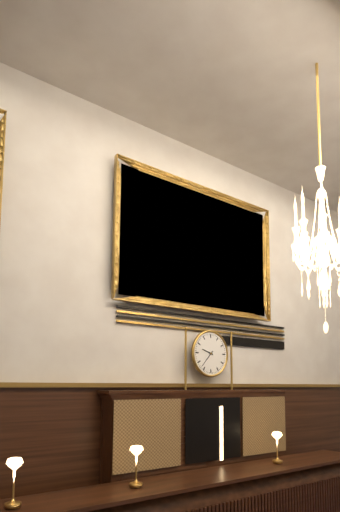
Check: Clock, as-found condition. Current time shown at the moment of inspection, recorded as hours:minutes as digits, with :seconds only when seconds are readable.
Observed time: 9:37
